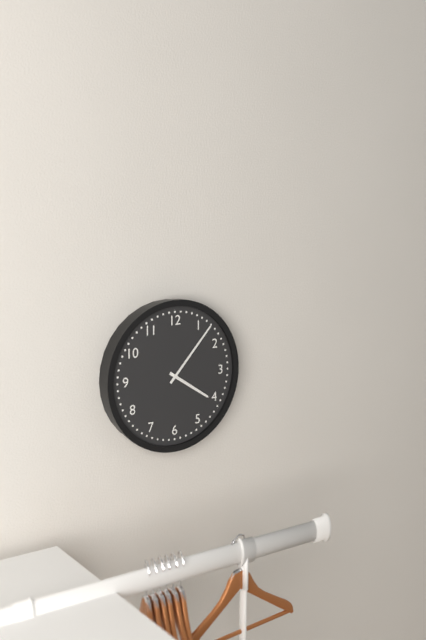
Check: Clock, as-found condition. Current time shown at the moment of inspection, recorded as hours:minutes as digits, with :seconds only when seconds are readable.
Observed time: 4:07
